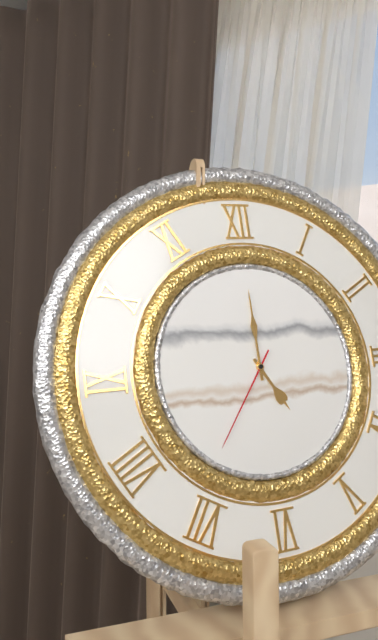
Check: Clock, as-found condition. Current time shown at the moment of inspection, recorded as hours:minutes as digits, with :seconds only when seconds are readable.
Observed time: 5:00:36
